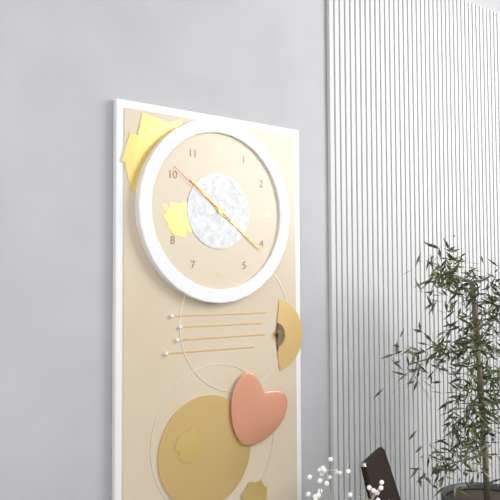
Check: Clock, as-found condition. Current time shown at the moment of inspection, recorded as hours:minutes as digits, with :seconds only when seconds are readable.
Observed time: 10:21:51
